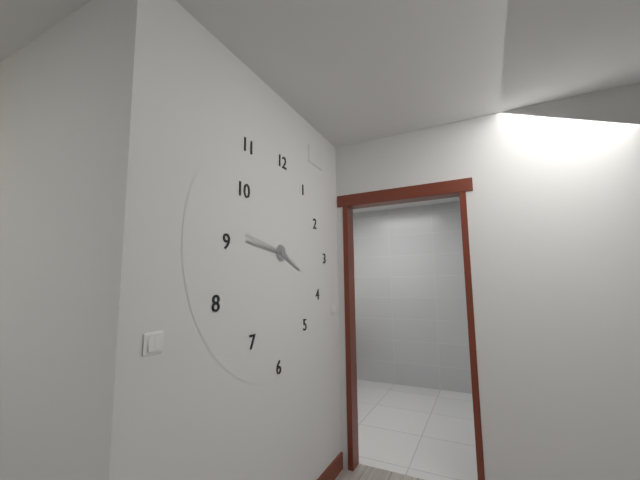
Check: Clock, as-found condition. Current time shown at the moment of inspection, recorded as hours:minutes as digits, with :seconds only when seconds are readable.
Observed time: 3:46:47
